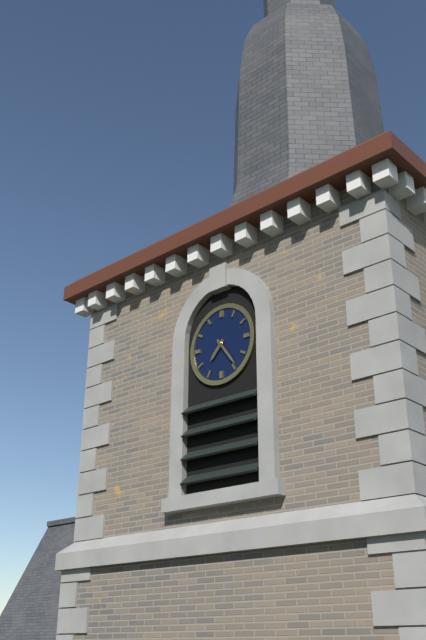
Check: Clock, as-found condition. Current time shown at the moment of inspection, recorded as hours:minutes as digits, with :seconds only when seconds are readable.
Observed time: 7:24
